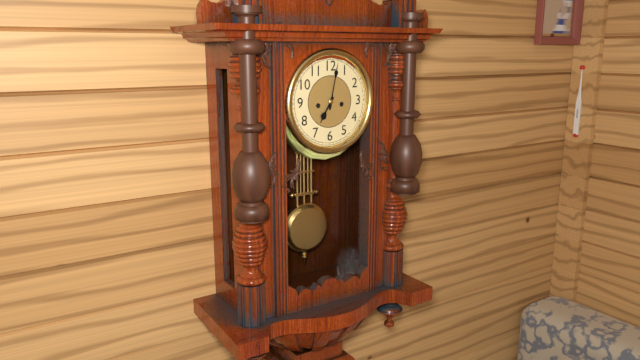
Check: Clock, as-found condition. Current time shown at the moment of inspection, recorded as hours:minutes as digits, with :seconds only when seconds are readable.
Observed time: 7:02
